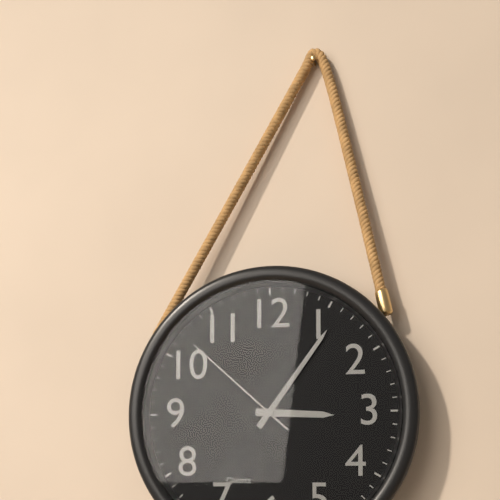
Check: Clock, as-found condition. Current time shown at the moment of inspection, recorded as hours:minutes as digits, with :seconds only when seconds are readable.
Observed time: 3:06:52
